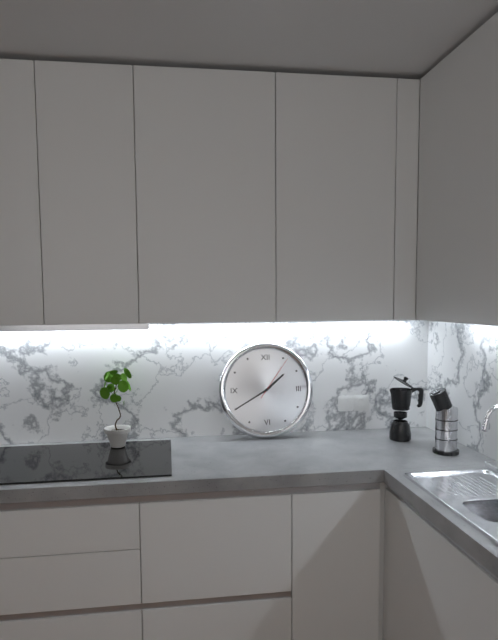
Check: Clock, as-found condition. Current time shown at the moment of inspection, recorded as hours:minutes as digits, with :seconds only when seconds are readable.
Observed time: 1:40
